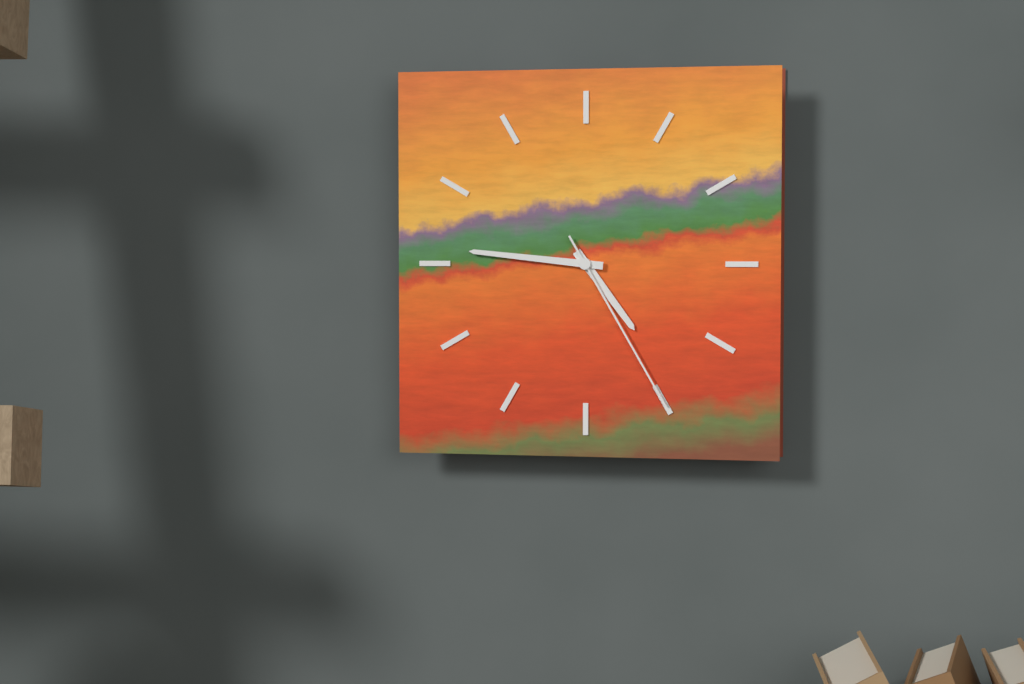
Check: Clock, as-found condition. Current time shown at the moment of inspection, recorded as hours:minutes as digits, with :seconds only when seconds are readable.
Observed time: 4:46:25
